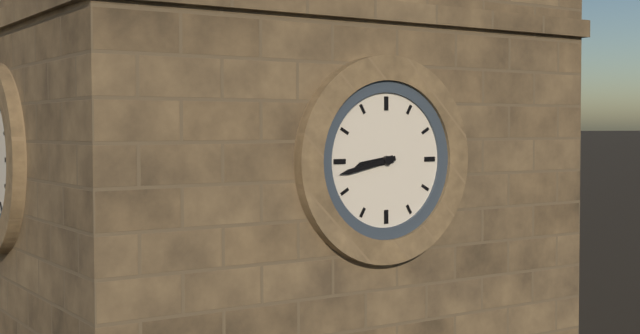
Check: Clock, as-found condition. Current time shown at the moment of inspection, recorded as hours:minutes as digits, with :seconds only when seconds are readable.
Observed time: 8:43
